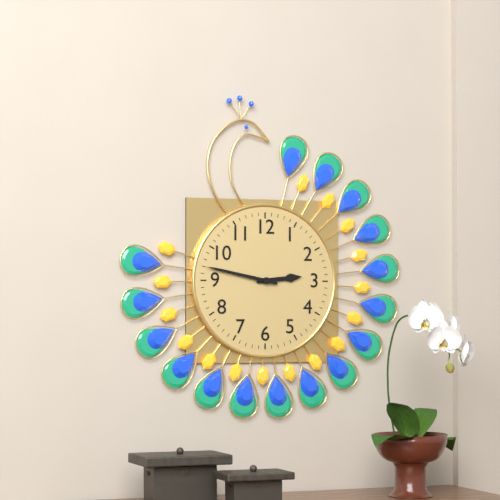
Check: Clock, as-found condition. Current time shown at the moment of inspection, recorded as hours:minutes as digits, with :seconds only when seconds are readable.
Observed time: 2:47
